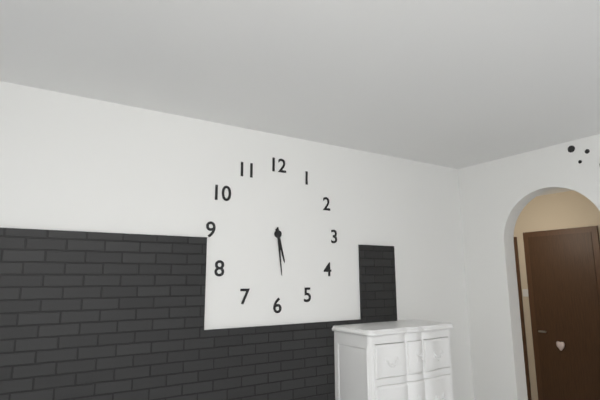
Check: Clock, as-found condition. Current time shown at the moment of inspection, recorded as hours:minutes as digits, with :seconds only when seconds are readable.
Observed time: 5:29
